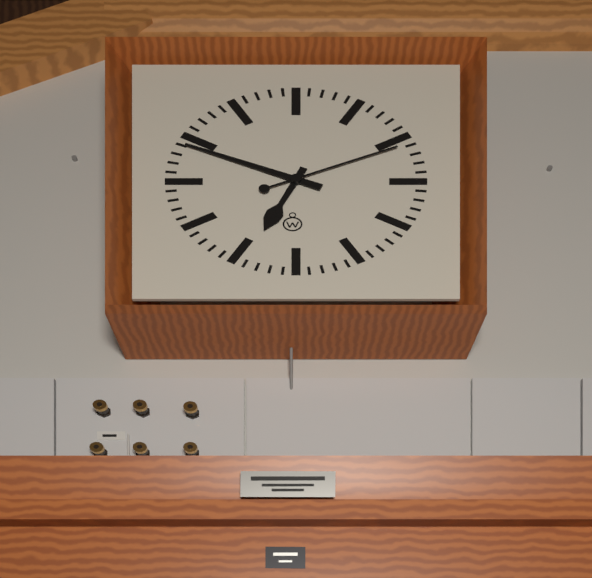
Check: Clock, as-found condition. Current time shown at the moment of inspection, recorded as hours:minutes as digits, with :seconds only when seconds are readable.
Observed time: 6:49:11
